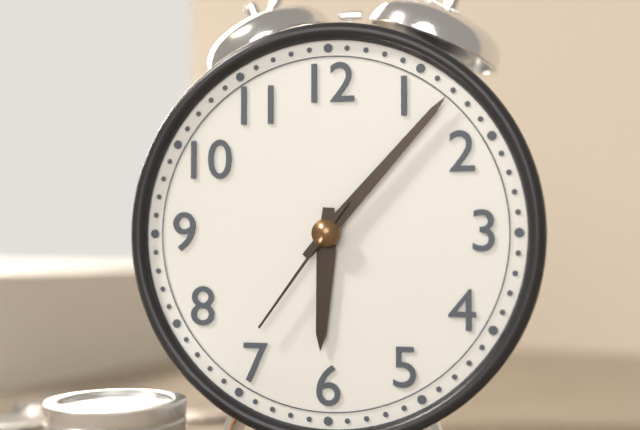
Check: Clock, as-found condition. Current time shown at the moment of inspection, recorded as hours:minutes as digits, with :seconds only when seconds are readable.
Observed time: 6:07:36
